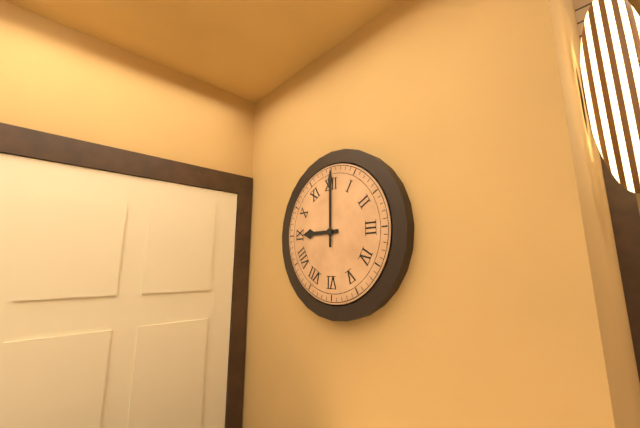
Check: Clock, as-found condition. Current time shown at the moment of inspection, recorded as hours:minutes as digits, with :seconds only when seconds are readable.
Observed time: 9:00
